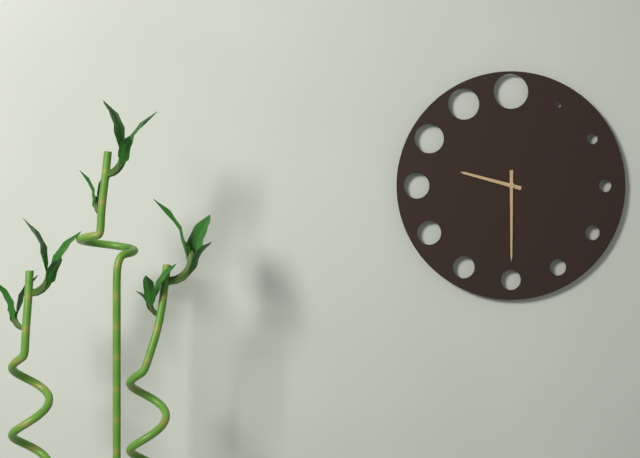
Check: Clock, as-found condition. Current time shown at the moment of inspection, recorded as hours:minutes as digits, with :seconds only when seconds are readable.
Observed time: 9:30
